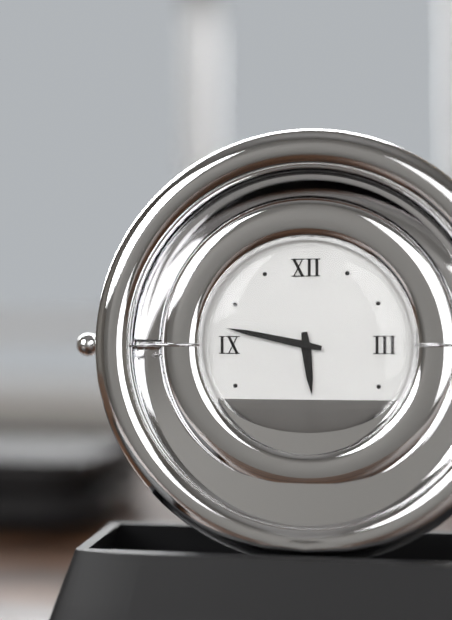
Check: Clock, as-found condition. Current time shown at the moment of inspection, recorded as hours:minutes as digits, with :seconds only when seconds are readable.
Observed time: 5:47
